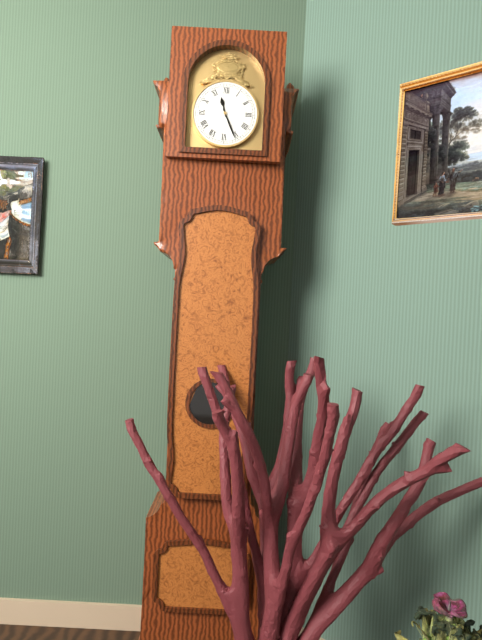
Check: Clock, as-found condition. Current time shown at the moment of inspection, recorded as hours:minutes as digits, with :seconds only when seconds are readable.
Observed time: 11:26
